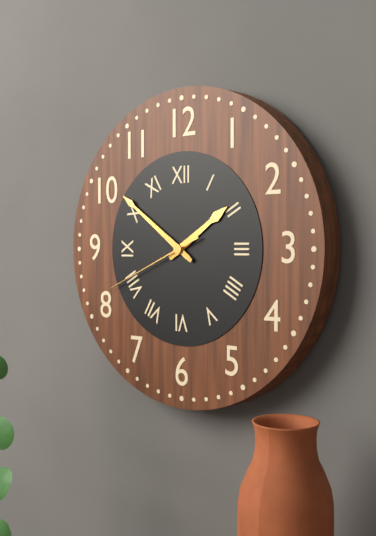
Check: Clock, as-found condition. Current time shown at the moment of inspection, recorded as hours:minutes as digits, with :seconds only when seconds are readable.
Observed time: 1:51:41
